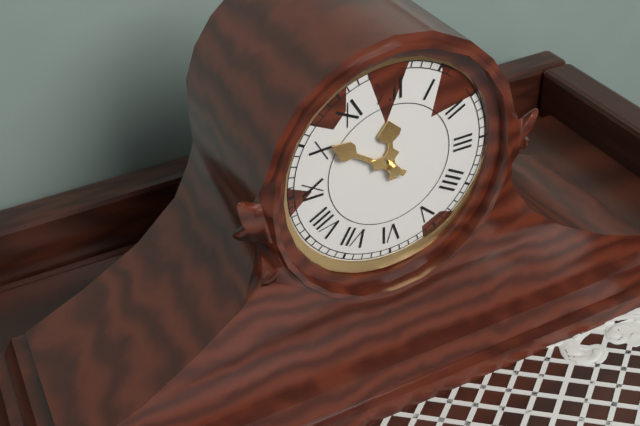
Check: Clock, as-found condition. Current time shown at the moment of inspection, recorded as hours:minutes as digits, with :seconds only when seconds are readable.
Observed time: 11:51
